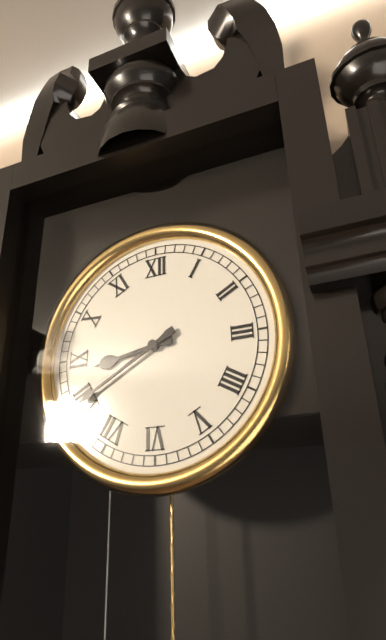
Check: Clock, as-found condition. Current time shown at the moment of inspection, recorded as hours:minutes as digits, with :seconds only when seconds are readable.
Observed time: 8:40
